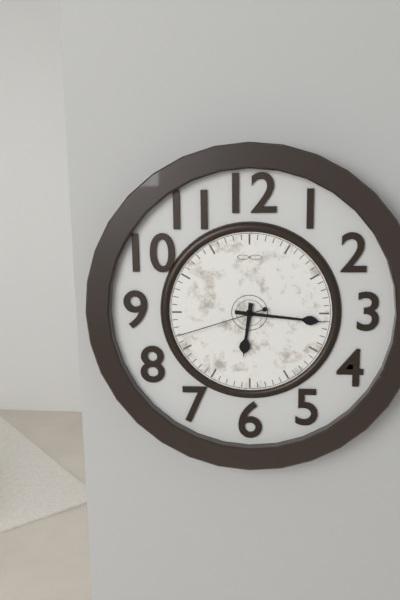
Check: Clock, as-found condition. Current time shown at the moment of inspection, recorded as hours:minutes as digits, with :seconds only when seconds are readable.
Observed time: 6:16:42
